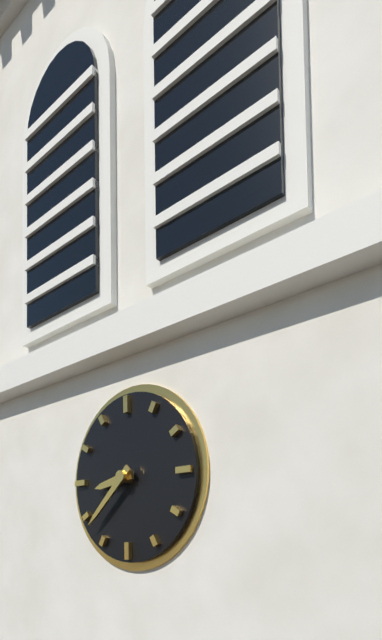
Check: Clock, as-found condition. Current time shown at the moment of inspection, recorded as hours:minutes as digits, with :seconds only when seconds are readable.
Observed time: 8:38
